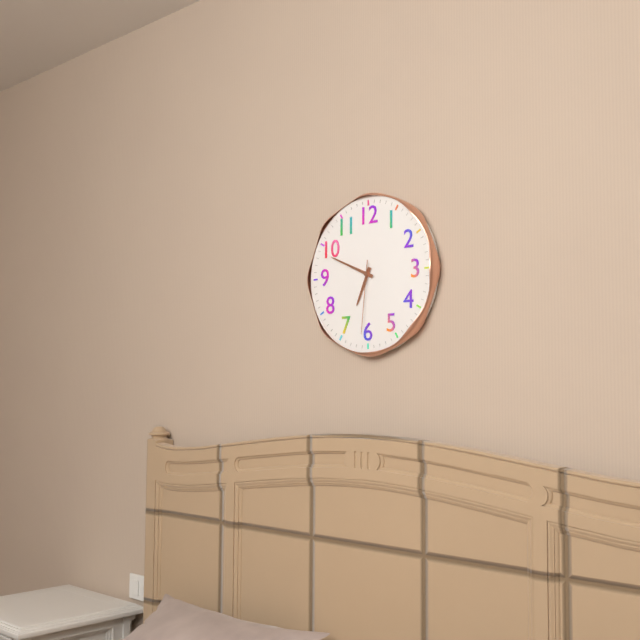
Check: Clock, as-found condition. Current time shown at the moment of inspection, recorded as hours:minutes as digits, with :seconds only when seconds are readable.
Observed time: 6:49:31
